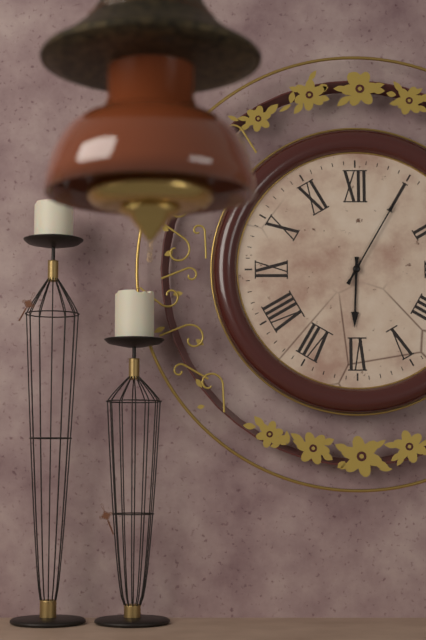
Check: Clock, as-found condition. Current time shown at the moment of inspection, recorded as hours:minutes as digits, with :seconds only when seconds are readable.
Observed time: 6:05
